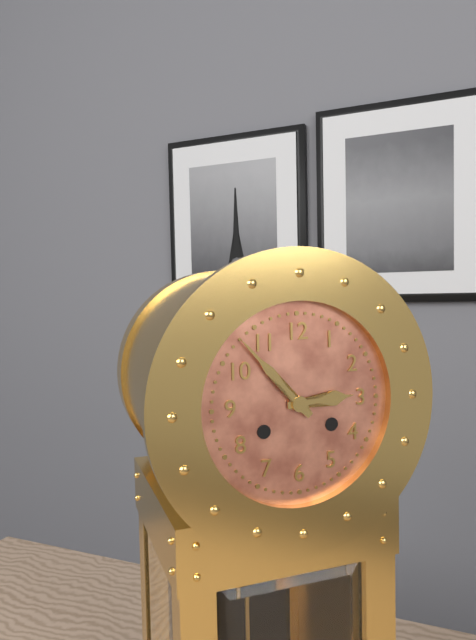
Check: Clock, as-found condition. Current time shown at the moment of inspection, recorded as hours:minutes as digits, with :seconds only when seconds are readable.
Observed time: 2:53
